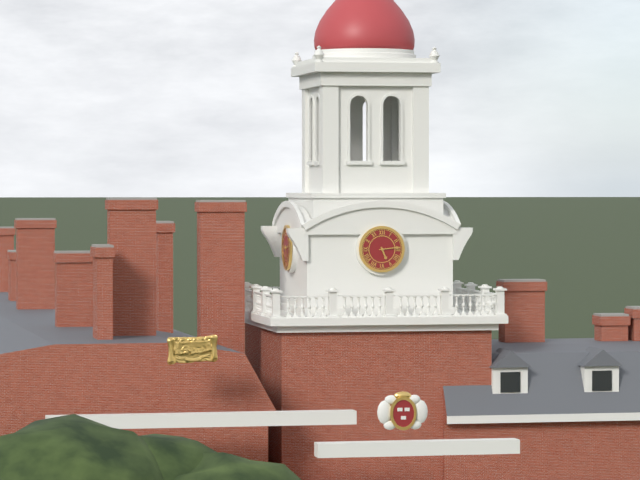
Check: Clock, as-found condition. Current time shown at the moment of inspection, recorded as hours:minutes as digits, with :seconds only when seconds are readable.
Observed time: 5:14
